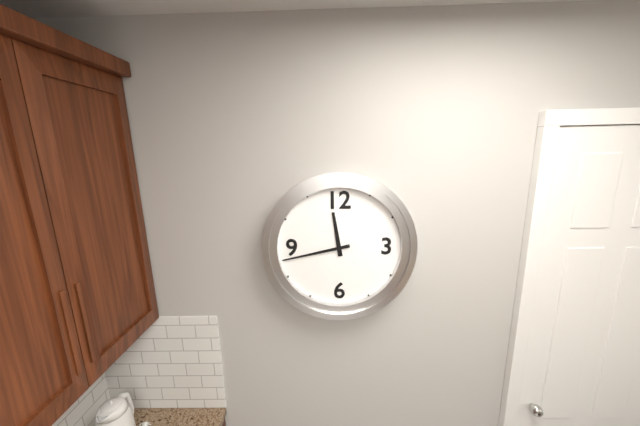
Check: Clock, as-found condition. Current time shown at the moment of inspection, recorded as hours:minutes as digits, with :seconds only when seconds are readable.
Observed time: 11:43
